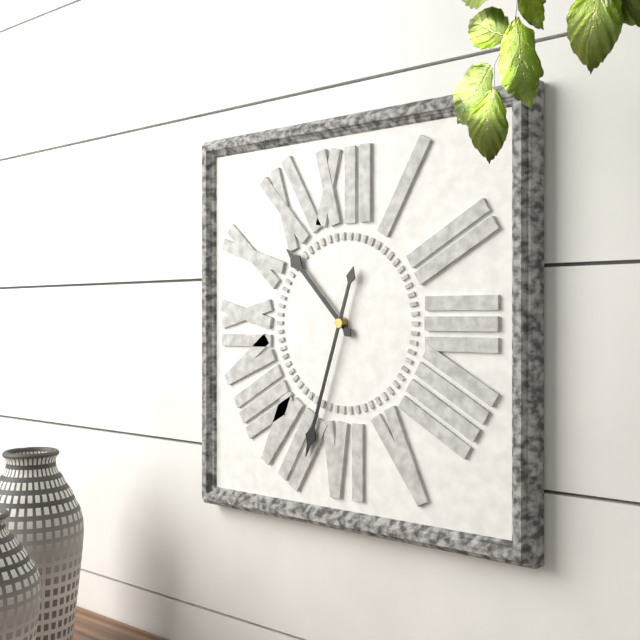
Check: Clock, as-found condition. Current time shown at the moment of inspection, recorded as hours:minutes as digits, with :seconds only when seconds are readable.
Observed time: 10:33
